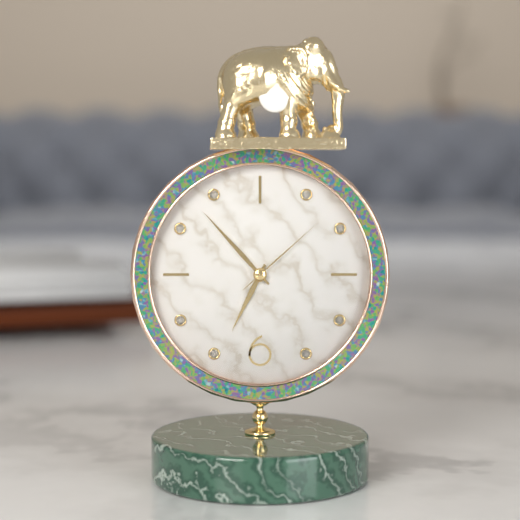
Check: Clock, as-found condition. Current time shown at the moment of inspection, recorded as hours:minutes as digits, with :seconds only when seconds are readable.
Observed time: 6:53:08
